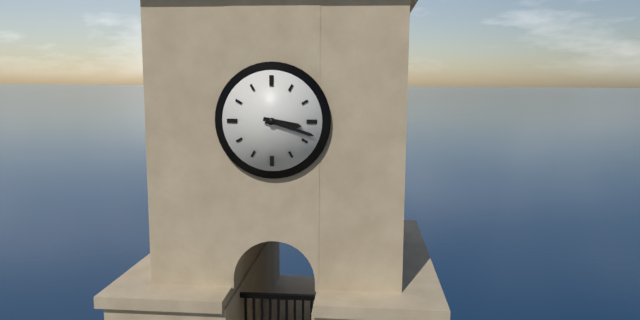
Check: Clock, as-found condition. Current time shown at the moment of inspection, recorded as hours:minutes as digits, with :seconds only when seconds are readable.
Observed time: 3:18
